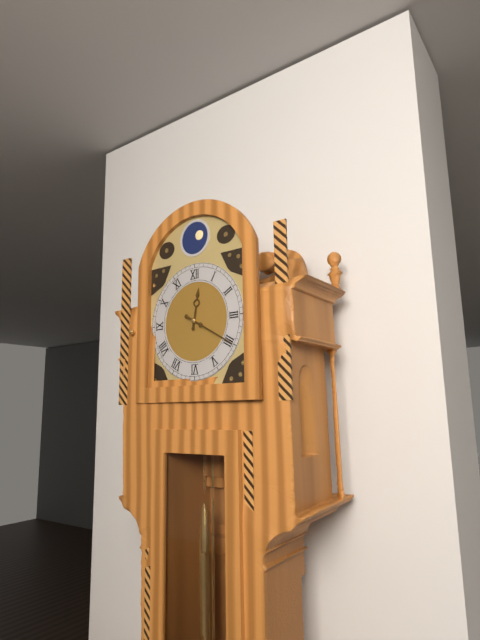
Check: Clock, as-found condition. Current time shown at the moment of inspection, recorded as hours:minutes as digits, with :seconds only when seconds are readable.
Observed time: 12:20
